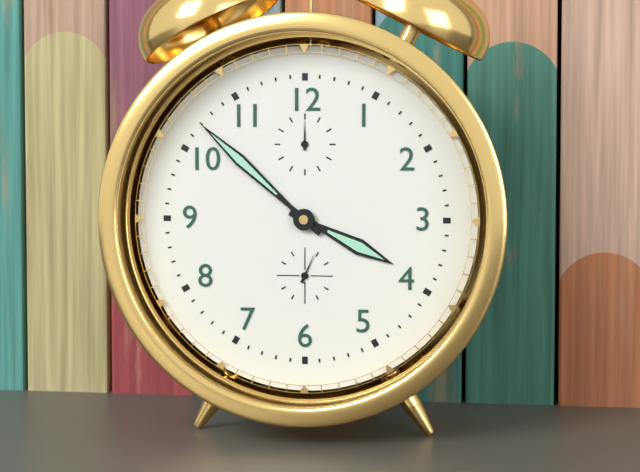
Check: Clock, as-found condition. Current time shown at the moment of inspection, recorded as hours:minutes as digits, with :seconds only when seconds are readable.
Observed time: 3:52
